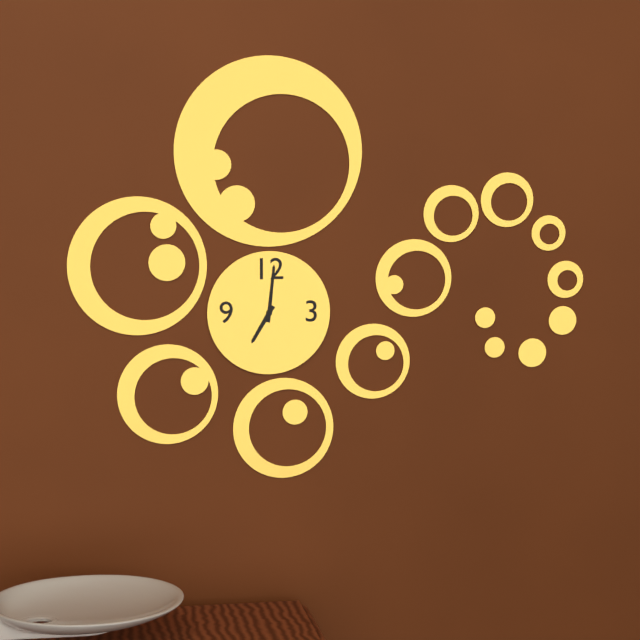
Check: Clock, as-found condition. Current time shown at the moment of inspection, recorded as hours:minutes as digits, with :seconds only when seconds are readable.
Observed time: 7:01
